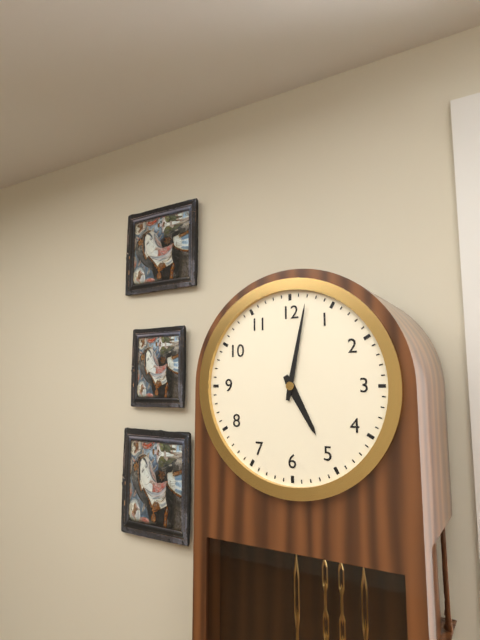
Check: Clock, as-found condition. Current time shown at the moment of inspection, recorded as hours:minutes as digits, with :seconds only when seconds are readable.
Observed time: 5:02
